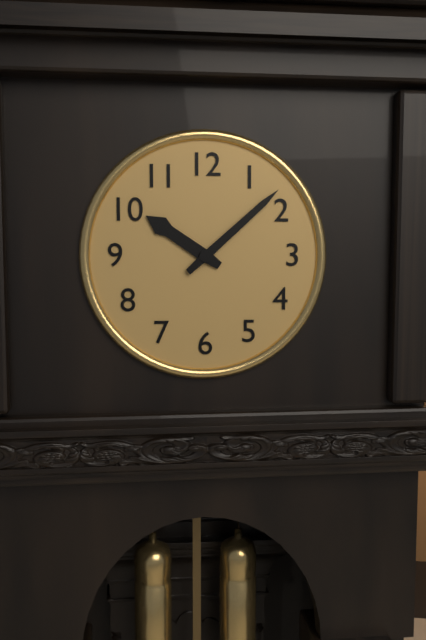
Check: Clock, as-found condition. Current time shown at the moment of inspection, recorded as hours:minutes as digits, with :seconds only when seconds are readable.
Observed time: 10:08
